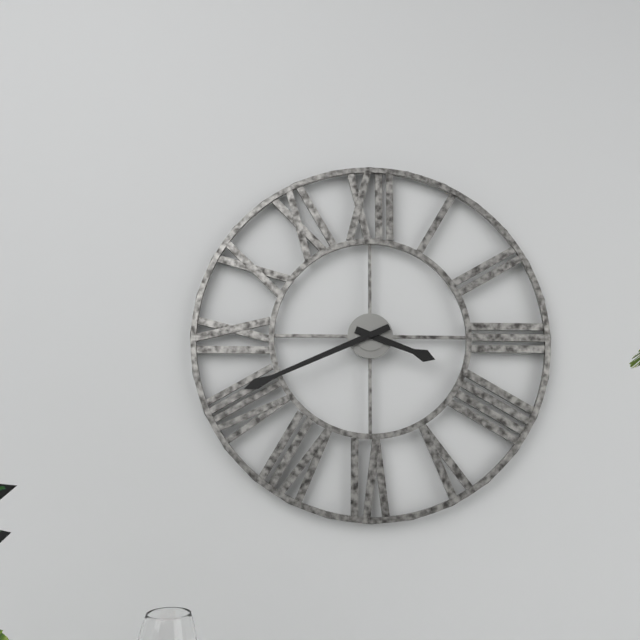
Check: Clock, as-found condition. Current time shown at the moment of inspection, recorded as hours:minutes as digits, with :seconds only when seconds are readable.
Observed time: 3:41
